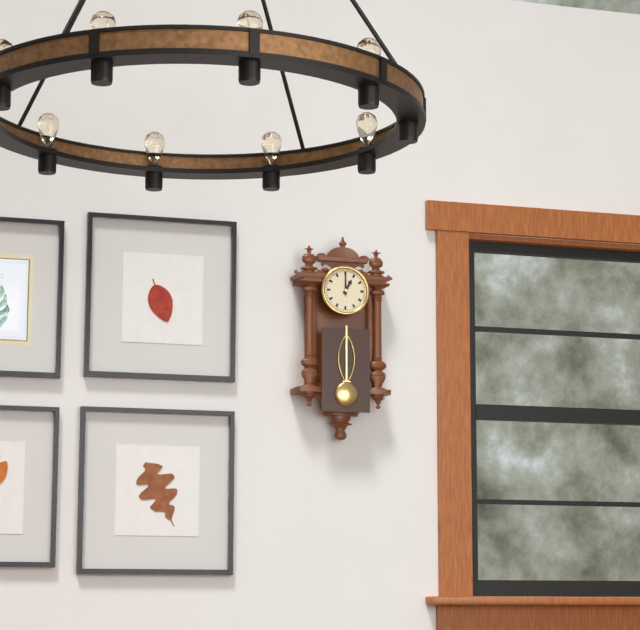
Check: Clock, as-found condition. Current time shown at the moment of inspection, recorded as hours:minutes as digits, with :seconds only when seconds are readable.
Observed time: 1:00
